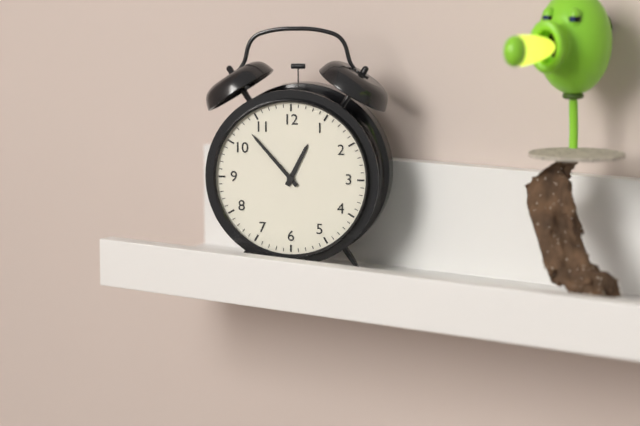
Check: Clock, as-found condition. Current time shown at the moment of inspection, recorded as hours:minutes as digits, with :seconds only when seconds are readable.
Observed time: 12:53
